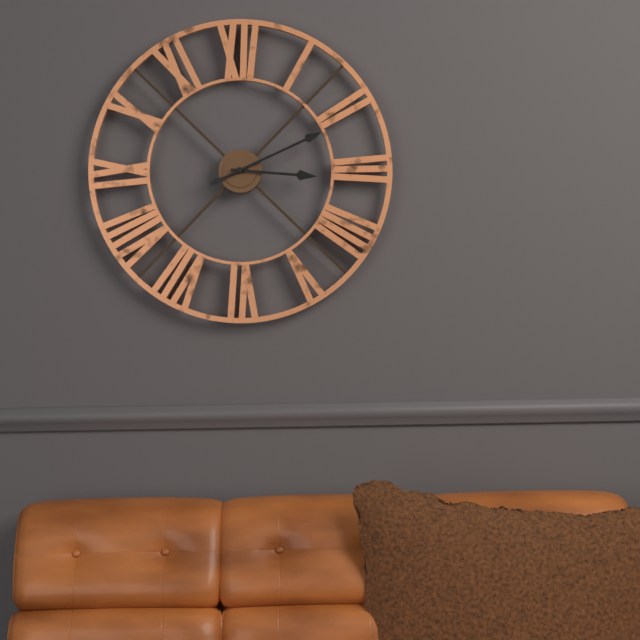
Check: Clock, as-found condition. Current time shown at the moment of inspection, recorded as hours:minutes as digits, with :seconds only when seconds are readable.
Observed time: 3:11
